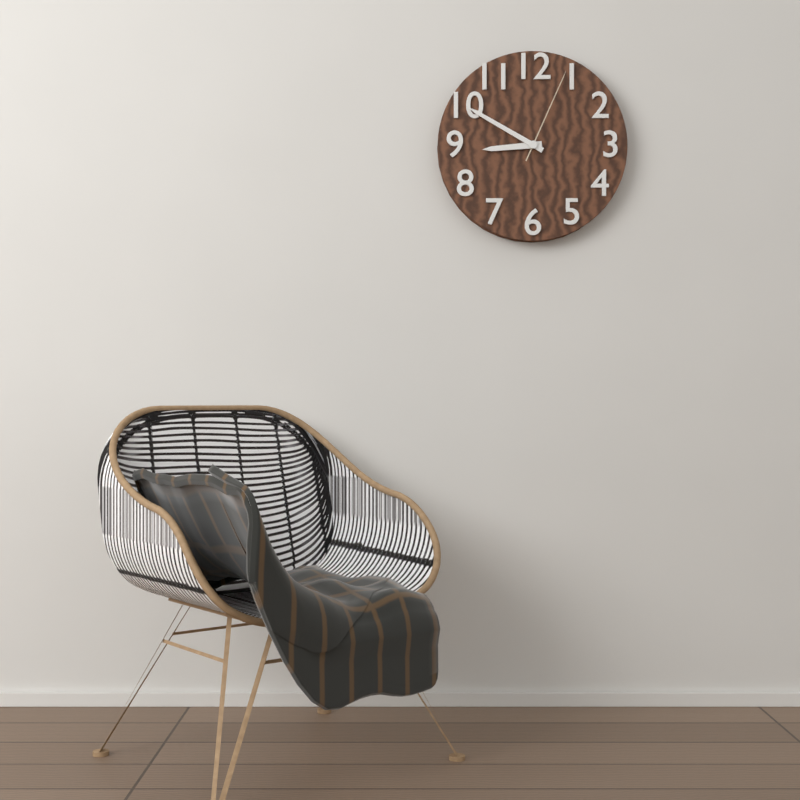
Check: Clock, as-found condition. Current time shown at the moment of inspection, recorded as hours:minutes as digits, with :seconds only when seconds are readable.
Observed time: 8:50:04
